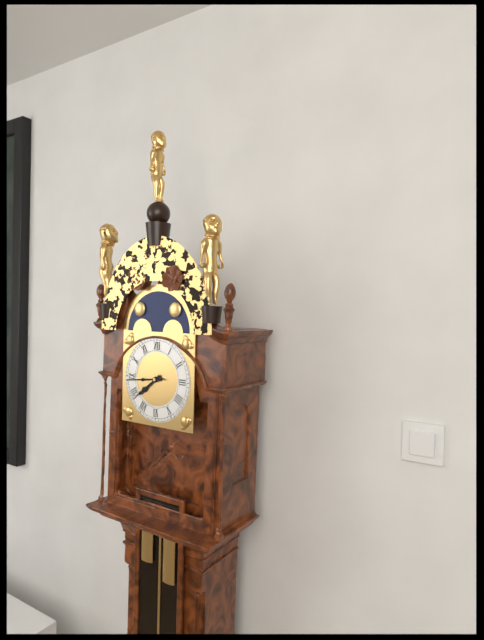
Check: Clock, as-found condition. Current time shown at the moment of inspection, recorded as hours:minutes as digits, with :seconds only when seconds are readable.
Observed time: 7:44
